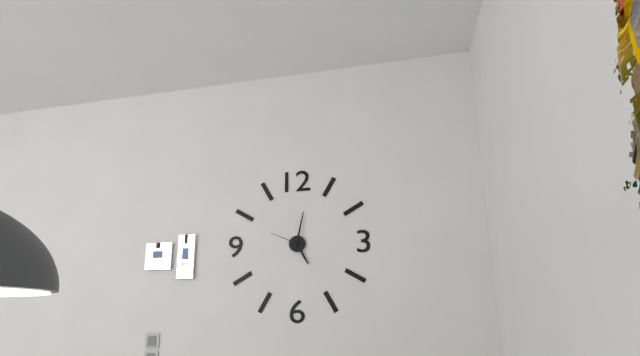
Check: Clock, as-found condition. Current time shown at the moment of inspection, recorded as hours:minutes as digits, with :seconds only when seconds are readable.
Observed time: 5:02
